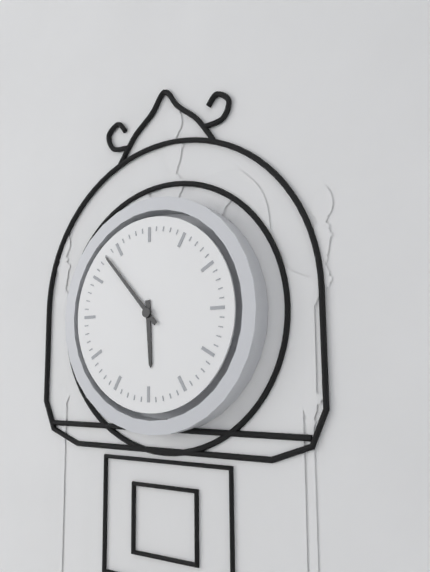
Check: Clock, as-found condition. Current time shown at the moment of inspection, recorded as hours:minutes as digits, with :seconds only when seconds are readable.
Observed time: 5:53
